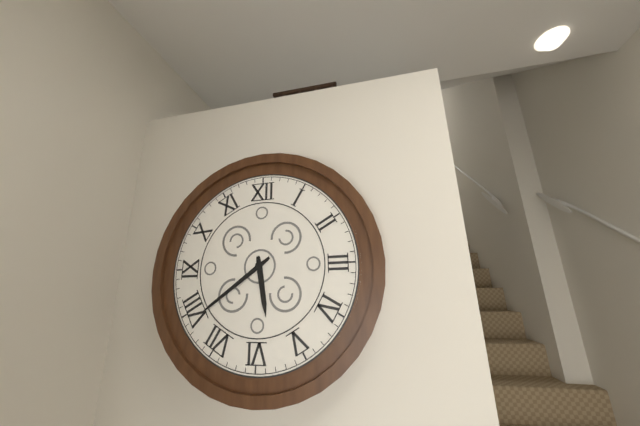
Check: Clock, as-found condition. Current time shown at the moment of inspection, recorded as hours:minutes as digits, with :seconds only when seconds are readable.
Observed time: 5:39
